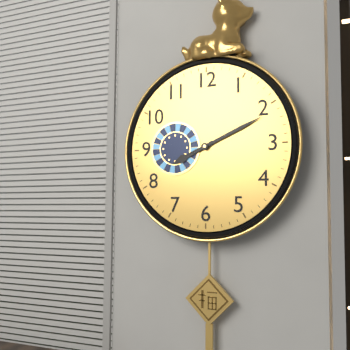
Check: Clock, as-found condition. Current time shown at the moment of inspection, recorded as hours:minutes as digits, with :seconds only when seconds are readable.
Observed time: 8:11
